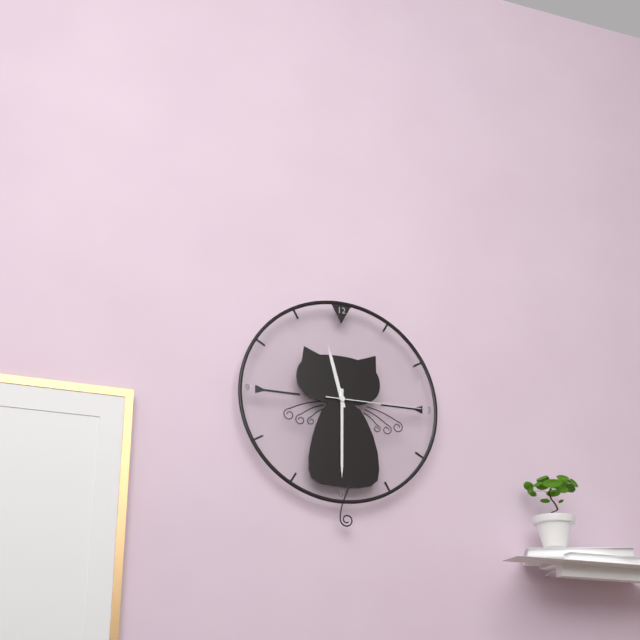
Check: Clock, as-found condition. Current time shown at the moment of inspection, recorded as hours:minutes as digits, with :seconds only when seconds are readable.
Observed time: 11:30:15
